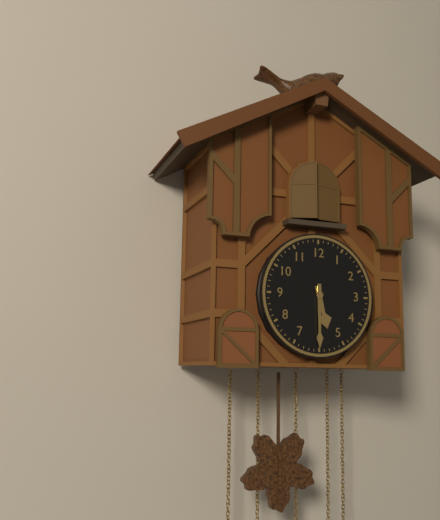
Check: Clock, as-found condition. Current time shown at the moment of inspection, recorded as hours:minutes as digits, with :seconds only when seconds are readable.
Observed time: 5:30
